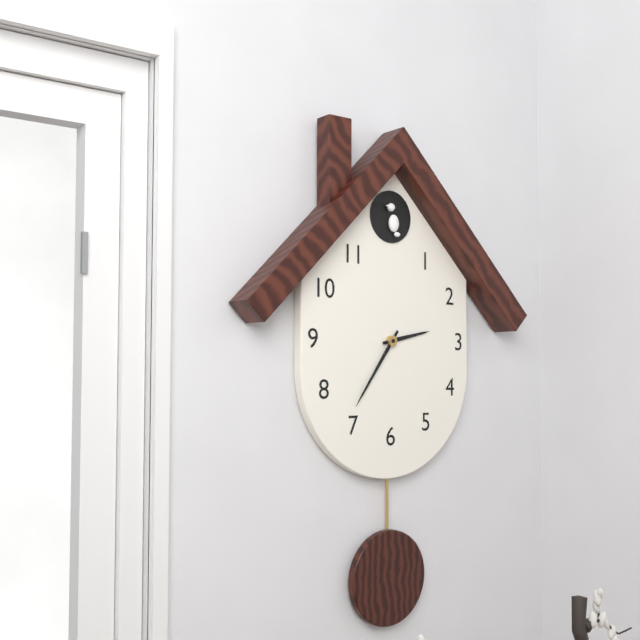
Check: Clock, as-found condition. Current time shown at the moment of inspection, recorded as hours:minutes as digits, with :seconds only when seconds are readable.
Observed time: 2:36
